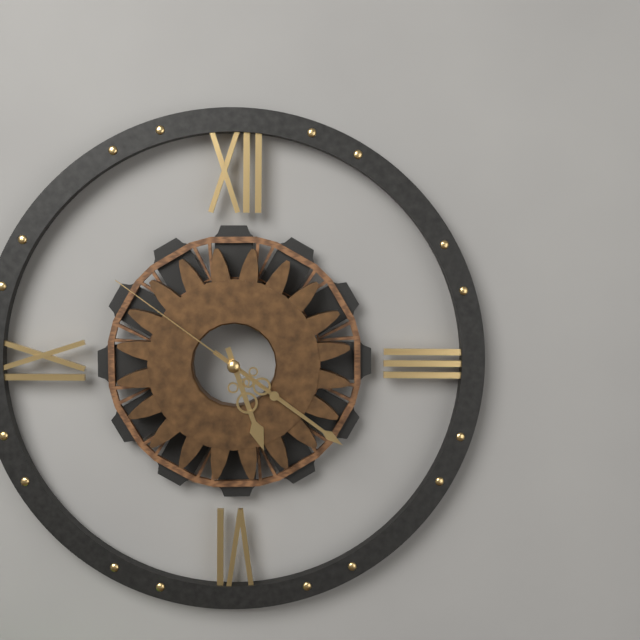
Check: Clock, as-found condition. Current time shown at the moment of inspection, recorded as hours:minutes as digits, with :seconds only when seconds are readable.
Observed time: 5:21:51
